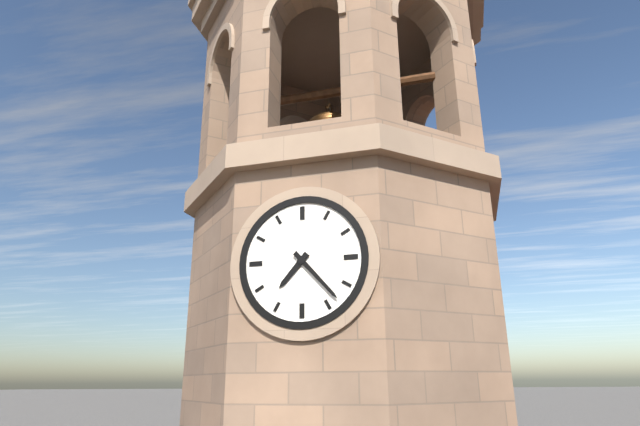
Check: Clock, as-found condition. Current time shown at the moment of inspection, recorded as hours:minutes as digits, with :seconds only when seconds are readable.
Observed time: 7:23
